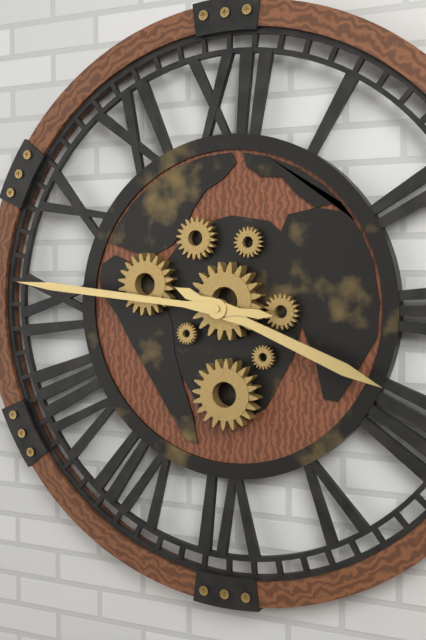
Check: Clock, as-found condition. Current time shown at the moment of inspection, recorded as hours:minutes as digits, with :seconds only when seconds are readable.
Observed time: 3:46
